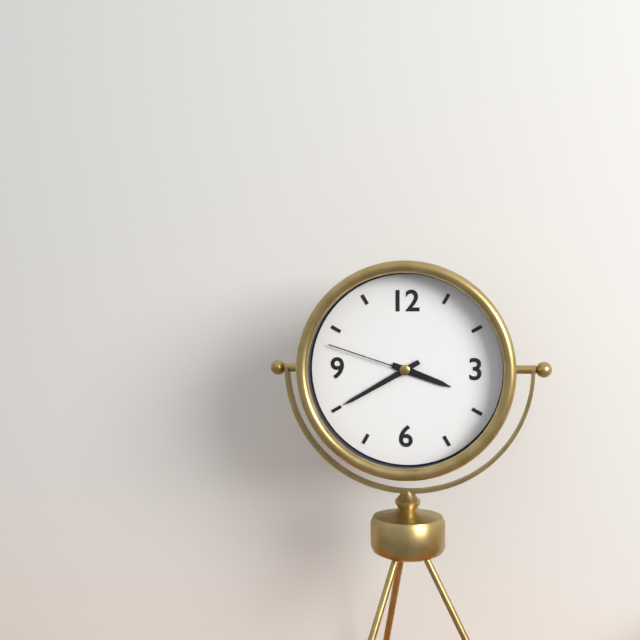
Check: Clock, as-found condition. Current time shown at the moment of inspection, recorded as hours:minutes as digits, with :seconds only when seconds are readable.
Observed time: 3:40:48
